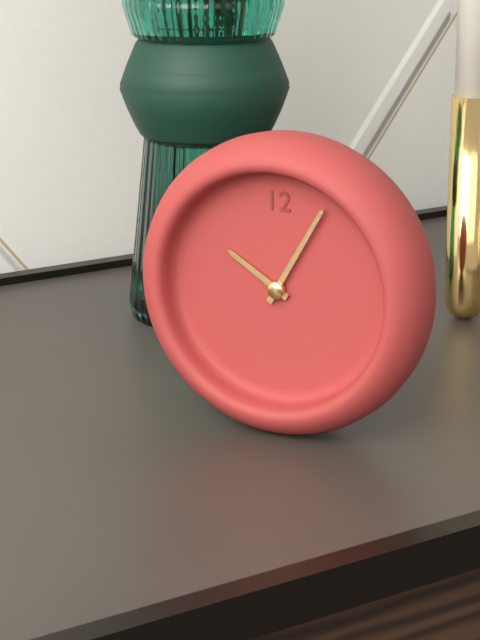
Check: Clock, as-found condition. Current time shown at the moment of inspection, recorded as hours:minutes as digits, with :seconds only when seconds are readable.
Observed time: 10:05
